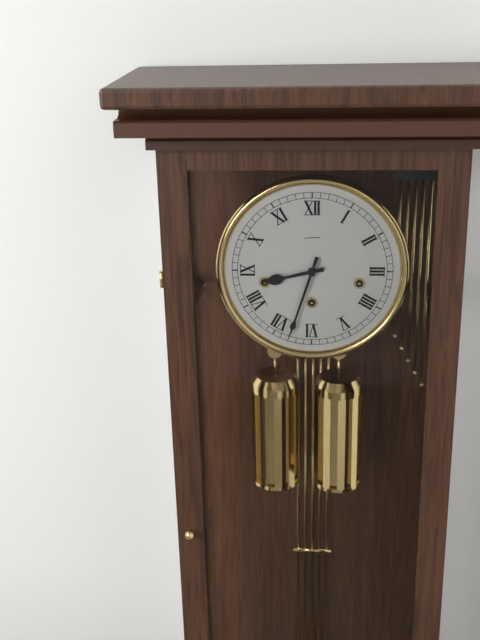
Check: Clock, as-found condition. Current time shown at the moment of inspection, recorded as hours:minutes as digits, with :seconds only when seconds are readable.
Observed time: 8:33
